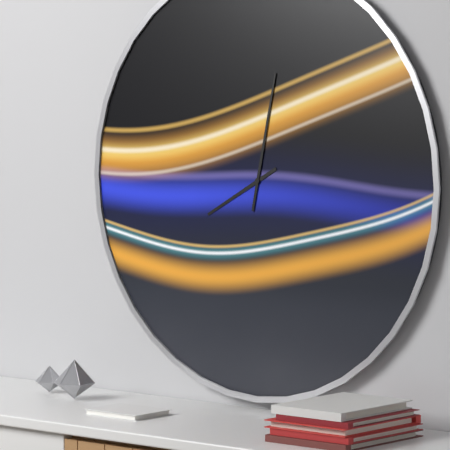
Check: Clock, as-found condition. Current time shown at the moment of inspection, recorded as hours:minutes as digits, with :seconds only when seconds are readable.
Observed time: 8:02
